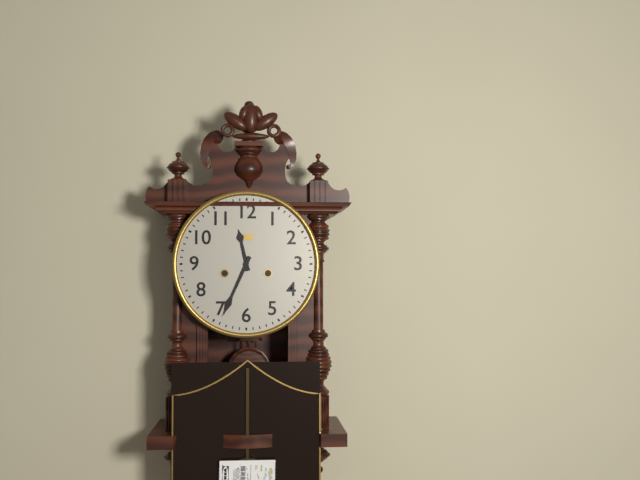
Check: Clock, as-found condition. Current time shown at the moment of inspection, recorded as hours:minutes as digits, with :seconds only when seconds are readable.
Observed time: 11:34
